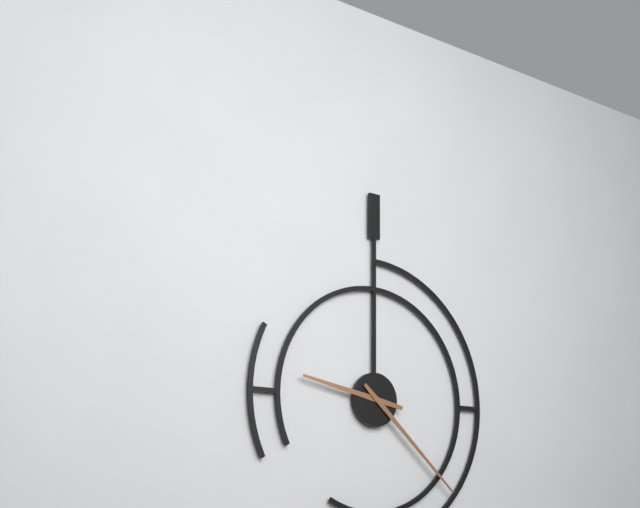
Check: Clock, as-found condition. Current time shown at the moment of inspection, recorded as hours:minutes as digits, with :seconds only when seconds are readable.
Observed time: 9:22
